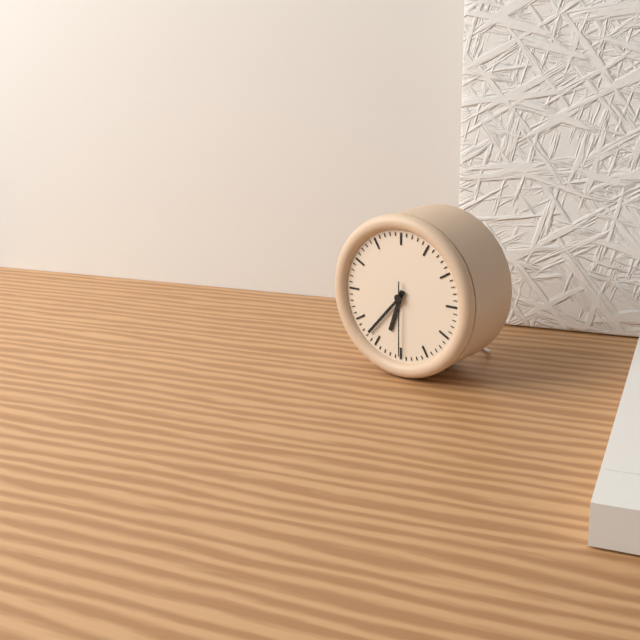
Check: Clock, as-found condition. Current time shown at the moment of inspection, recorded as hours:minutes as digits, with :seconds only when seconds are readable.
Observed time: 6:37:30
